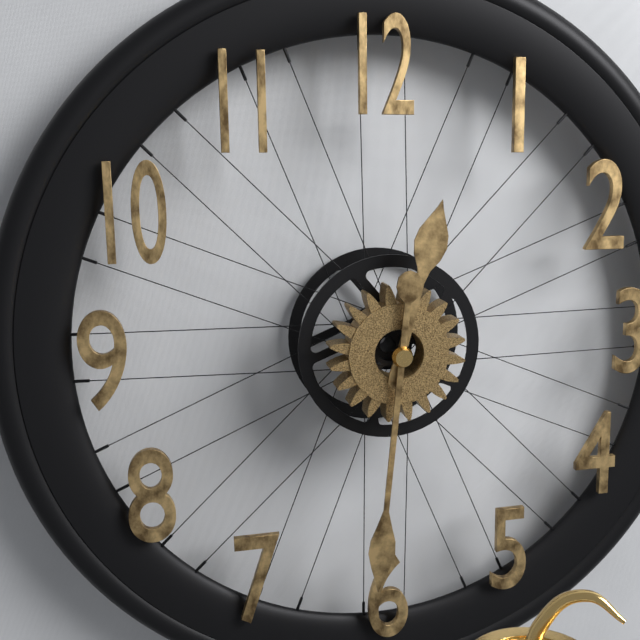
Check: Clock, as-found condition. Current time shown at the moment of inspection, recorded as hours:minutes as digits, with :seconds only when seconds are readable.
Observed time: 12:31
